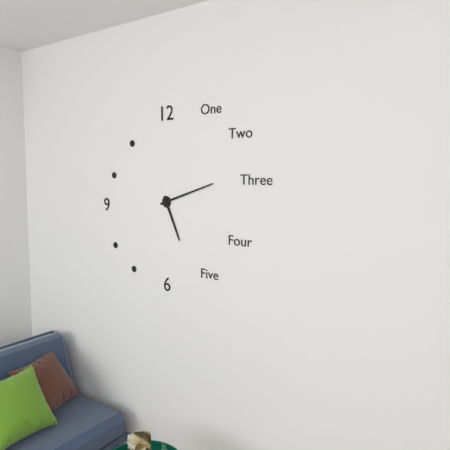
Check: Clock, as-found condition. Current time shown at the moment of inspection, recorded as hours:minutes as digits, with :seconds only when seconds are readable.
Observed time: 5:12
